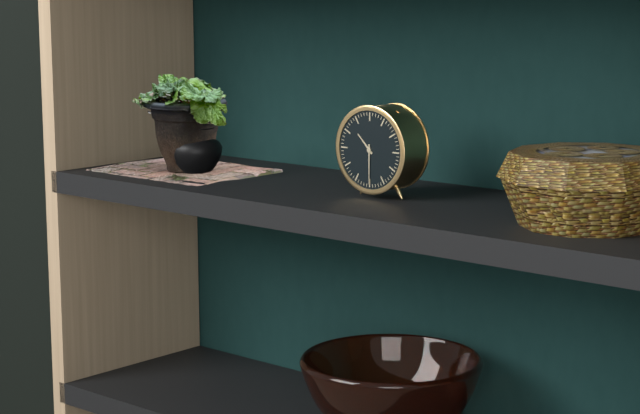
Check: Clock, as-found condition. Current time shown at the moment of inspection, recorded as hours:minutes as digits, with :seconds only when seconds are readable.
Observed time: 10:30
